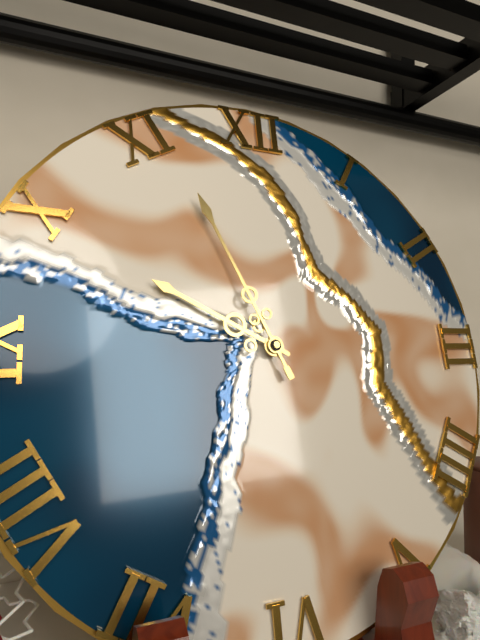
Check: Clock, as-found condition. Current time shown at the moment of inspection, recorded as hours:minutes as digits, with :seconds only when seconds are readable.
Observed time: 9:56
